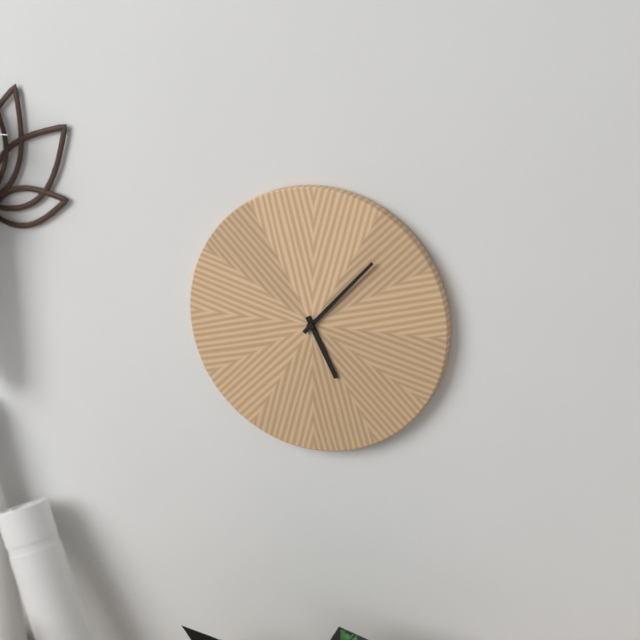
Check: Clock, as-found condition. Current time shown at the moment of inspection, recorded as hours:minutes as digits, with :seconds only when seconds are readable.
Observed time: 5:07
